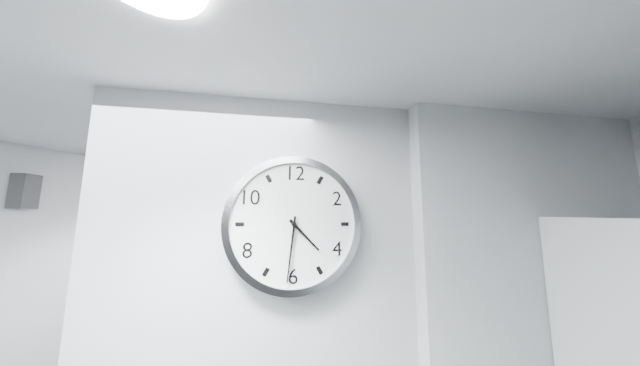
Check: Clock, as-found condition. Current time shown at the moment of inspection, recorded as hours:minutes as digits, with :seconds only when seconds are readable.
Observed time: 4:31
